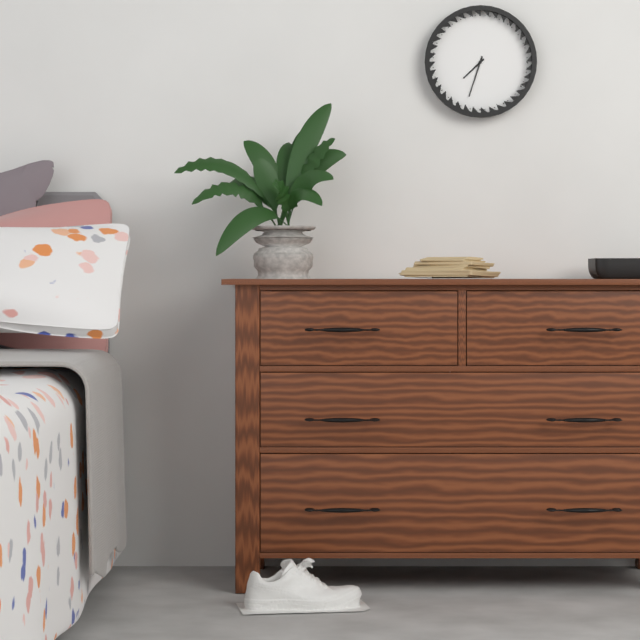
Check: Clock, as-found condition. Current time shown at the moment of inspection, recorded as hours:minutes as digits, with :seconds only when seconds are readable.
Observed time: 7:33
